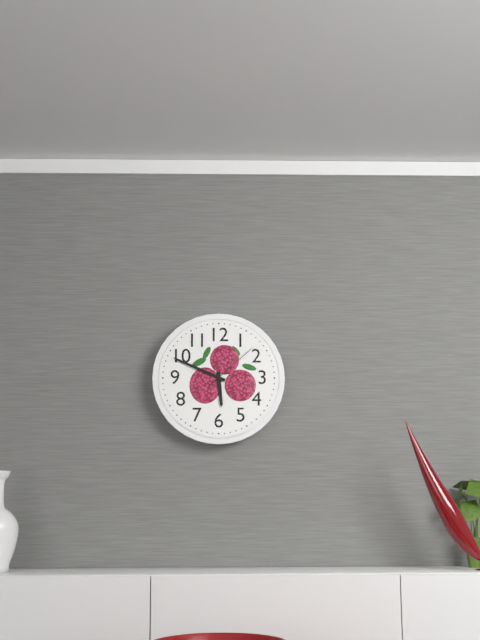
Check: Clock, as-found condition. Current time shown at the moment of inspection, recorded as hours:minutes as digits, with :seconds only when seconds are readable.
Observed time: 5:49:08
